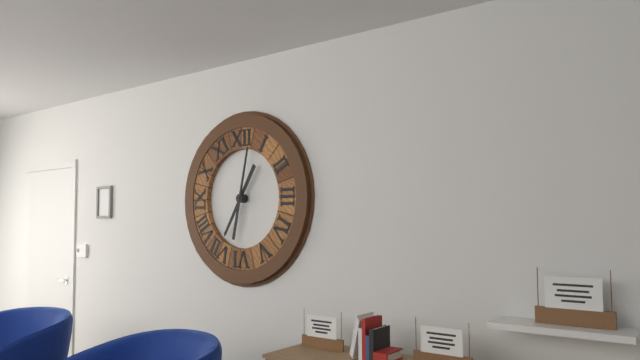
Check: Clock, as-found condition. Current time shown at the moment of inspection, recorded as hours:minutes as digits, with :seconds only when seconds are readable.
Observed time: 7:02
